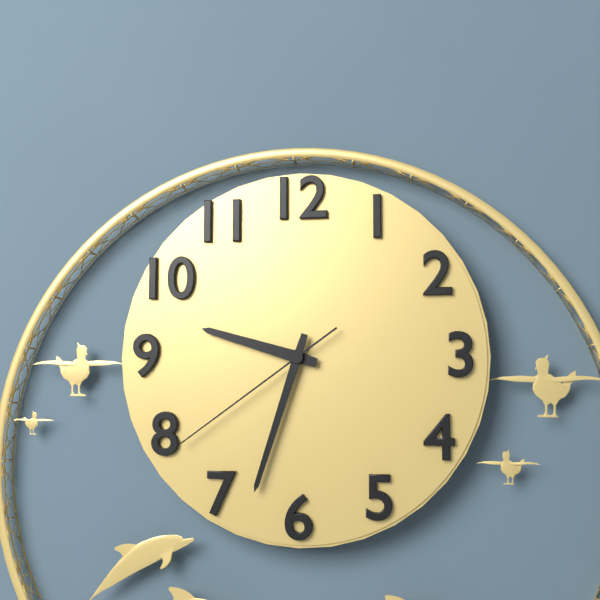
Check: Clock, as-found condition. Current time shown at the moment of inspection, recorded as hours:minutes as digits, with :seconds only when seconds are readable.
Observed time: 9:33:39
